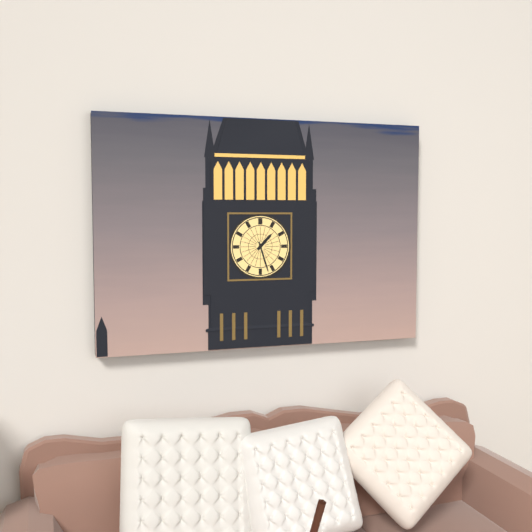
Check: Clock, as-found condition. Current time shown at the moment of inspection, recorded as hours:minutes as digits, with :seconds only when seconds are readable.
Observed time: 1:27
